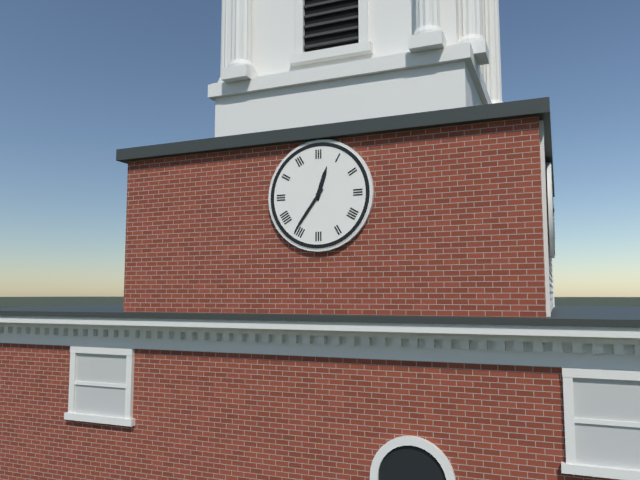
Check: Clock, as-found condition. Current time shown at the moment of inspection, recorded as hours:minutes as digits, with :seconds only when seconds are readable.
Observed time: 12:36
